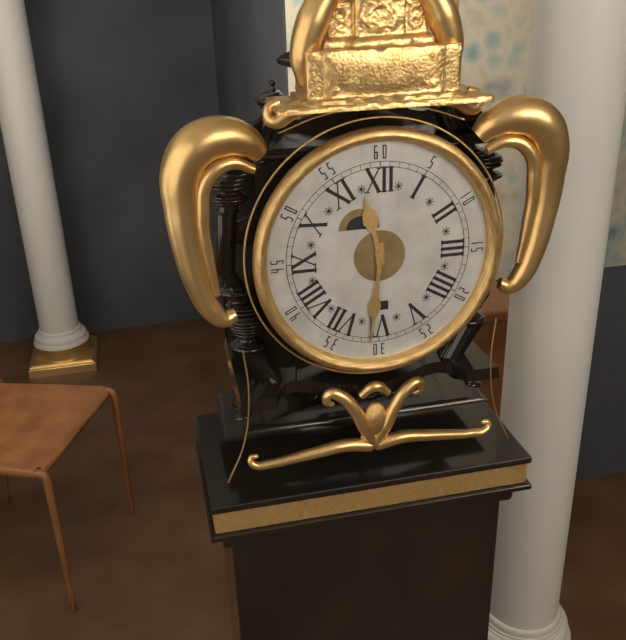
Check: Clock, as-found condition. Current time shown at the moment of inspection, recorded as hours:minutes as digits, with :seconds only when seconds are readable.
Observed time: 11:31
